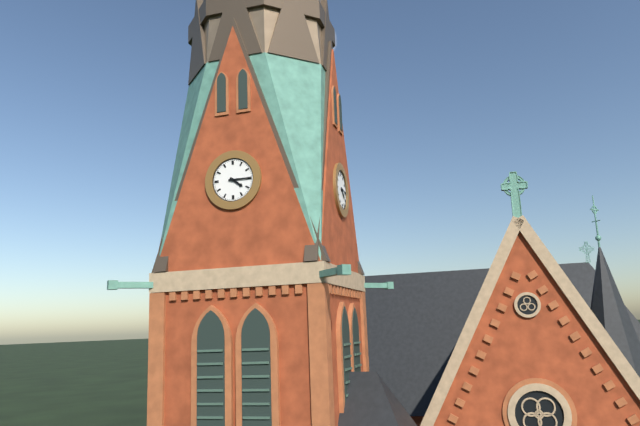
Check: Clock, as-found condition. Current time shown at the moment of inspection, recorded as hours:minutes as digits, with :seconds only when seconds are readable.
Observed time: 4:15
